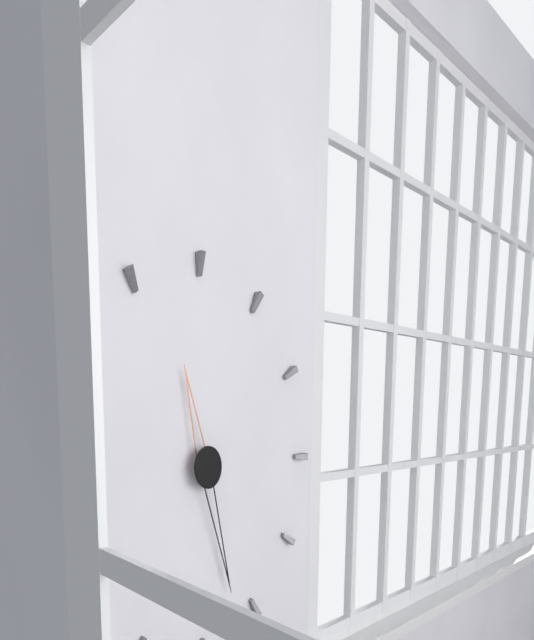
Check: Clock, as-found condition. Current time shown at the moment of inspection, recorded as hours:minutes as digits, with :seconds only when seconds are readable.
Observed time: 11:27
